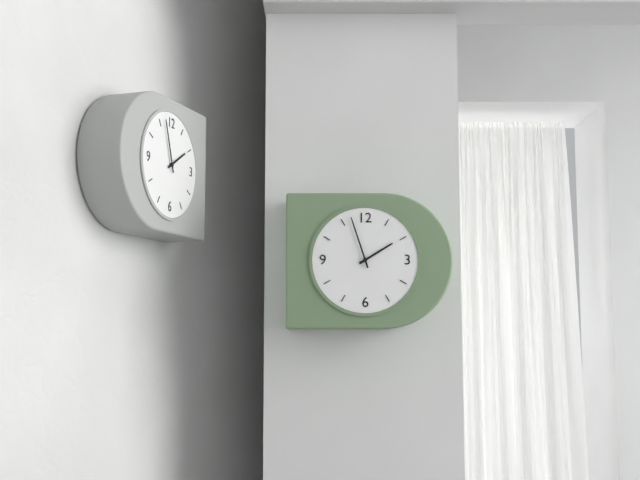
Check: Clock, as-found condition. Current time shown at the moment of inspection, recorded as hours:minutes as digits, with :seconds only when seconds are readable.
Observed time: 1:57
